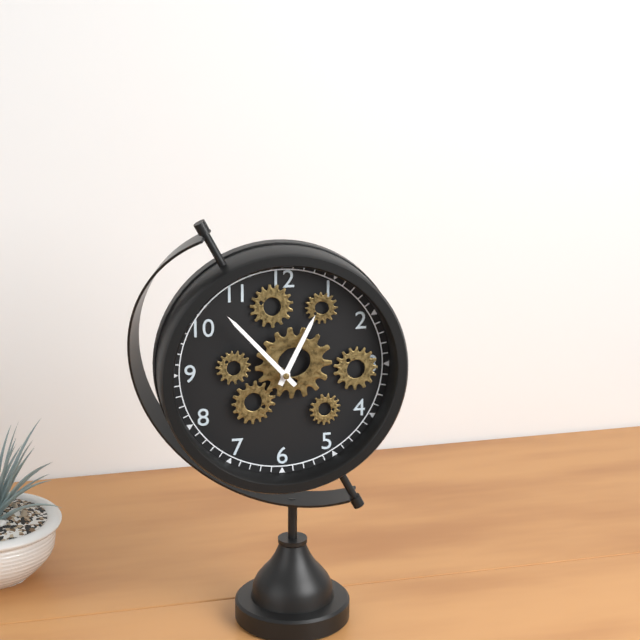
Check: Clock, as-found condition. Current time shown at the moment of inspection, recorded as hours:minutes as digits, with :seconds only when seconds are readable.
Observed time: 12:53
